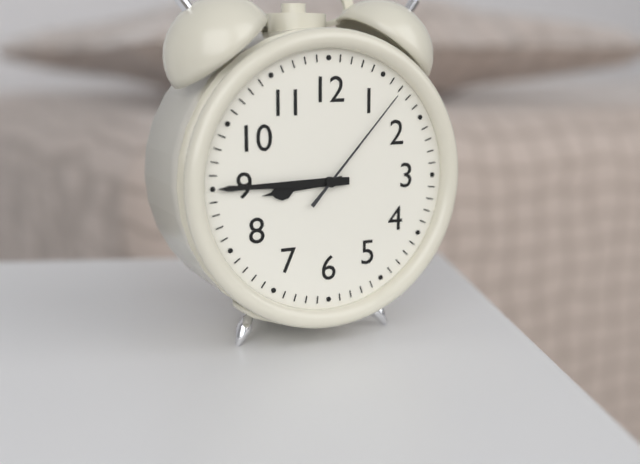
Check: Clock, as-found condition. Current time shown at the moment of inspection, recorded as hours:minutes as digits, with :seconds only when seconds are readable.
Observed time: 8:45:07
